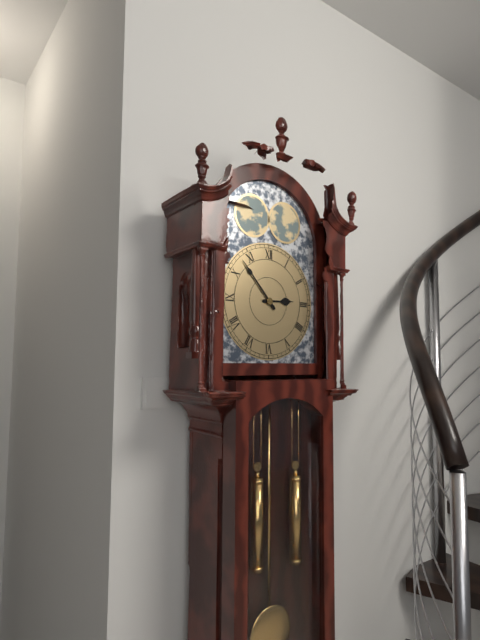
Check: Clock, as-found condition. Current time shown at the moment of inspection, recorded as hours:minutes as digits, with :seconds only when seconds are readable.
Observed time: 2:53
